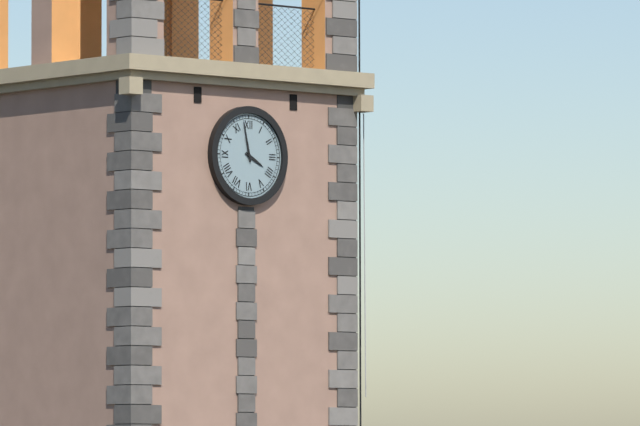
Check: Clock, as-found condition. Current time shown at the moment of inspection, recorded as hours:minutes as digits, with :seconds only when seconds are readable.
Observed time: 3:58
